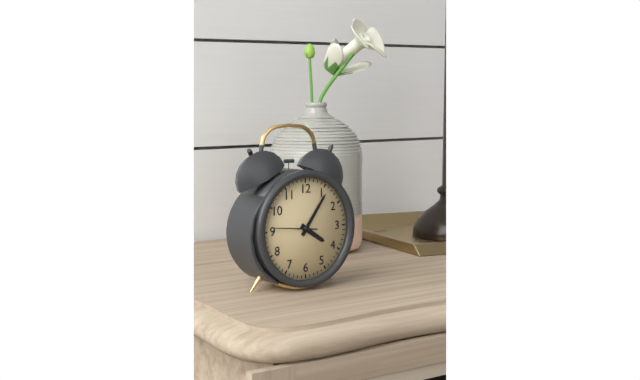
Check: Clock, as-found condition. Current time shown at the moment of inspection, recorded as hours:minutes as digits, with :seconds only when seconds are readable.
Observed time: 4:06
